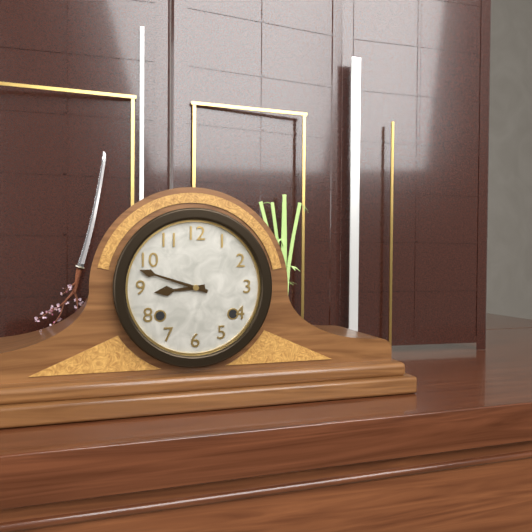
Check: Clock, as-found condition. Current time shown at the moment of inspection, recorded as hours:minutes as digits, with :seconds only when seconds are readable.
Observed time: 8:48
